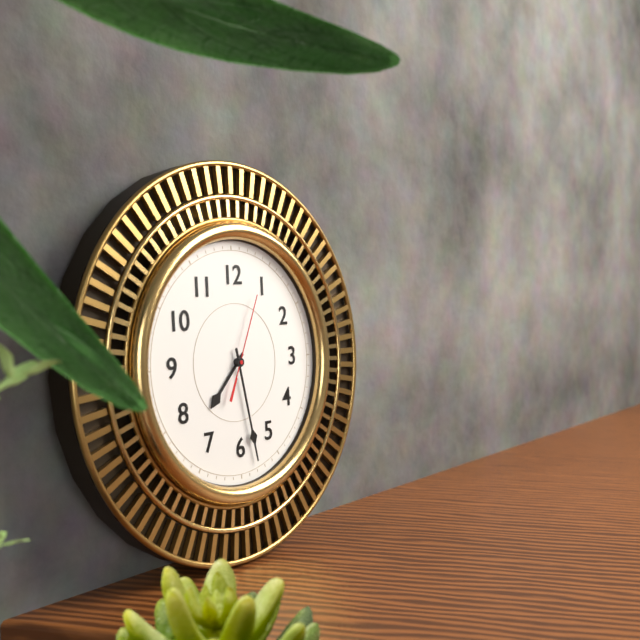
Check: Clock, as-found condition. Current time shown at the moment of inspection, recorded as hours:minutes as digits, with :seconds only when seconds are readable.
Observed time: 7:28:04
